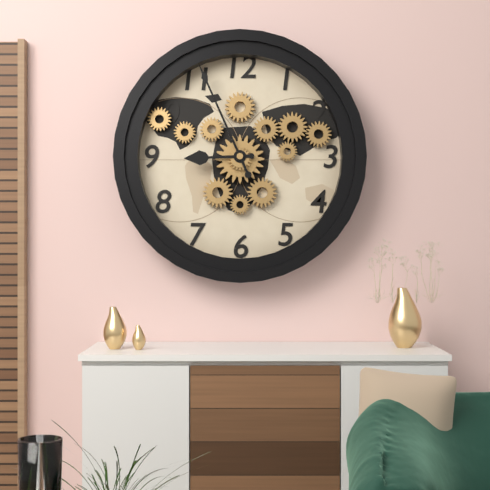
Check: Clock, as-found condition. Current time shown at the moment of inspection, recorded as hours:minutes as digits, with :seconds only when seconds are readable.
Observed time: 8:56
